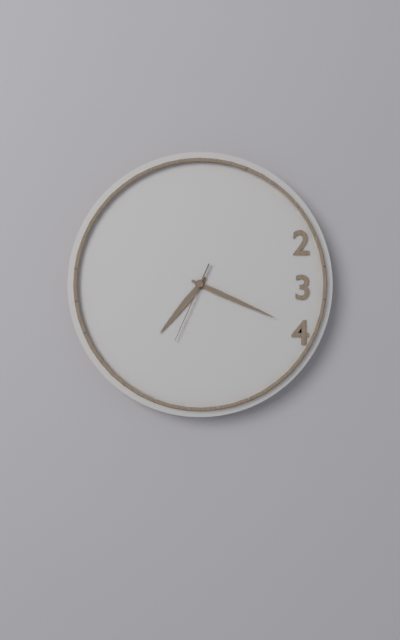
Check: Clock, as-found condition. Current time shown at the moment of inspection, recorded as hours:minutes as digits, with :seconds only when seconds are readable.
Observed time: 7:19:34
